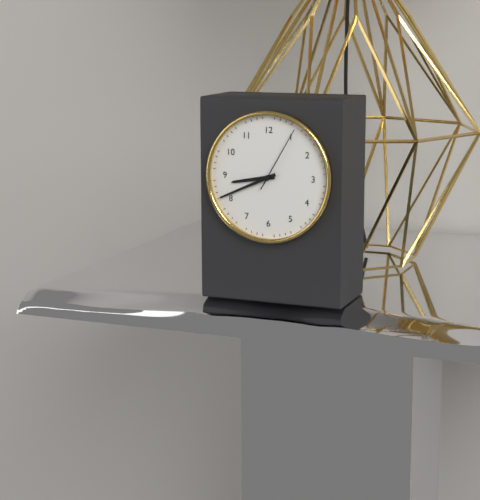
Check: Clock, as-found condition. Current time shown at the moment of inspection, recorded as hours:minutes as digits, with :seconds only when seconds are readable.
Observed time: 8:41:05
